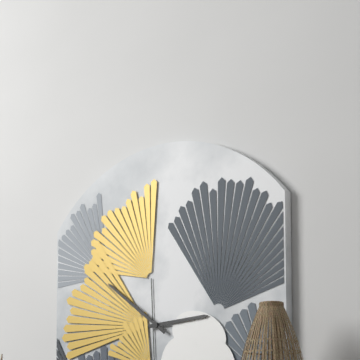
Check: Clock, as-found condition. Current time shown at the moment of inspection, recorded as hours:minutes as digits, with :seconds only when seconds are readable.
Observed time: 2:51
